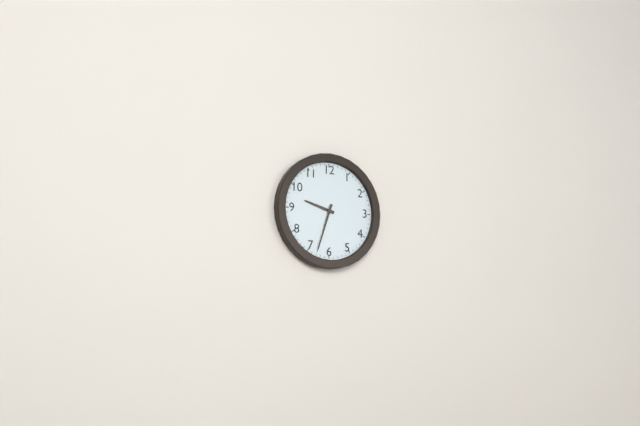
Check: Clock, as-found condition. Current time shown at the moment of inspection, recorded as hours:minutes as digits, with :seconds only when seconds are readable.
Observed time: 9:33
